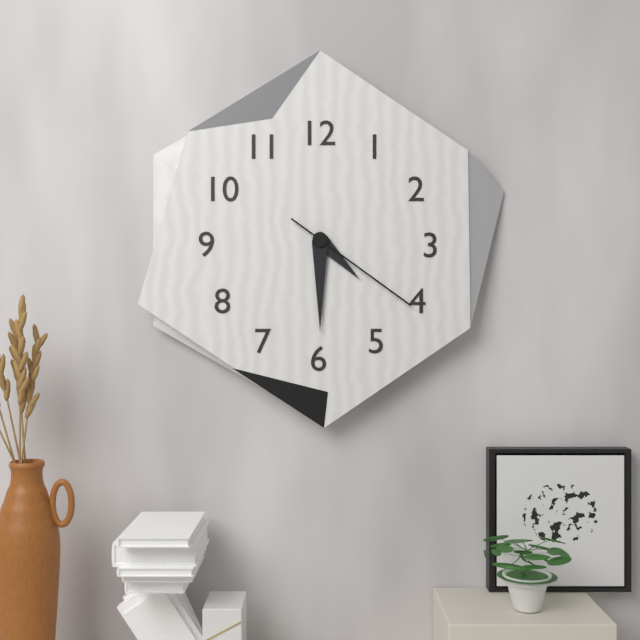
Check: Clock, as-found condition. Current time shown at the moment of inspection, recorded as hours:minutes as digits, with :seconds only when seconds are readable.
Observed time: 4:30:21
